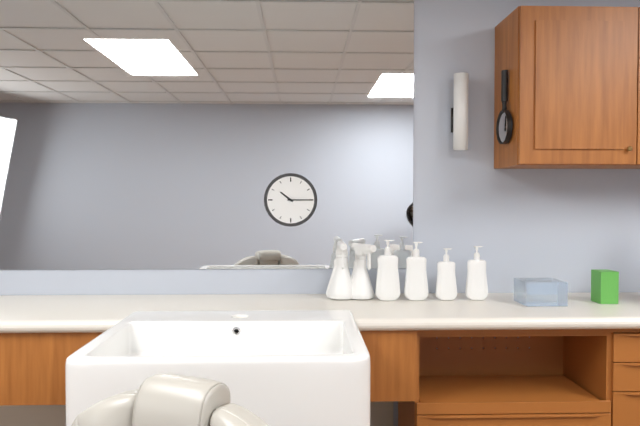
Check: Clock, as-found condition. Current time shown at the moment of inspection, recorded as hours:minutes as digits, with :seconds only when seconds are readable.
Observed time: 10:15
